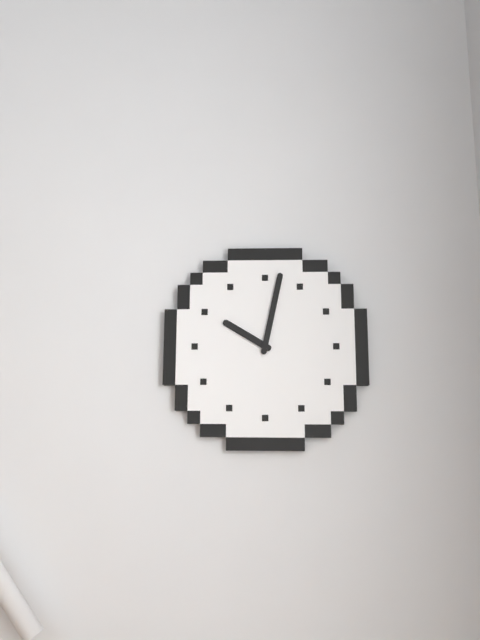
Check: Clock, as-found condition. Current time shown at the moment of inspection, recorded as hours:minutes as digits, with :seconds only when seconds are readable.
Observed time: 10:02
